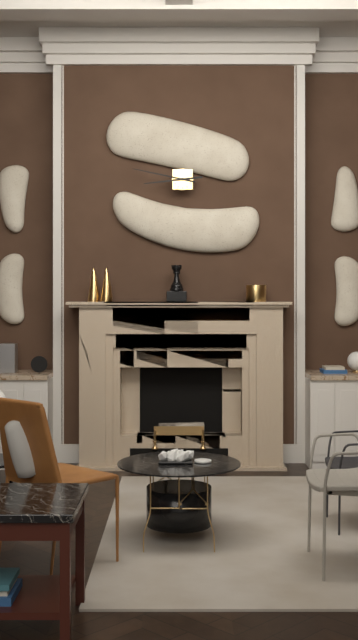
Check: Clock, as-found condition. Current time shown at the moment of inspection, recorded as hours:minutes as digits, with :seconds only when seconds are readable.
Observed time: 8:47
